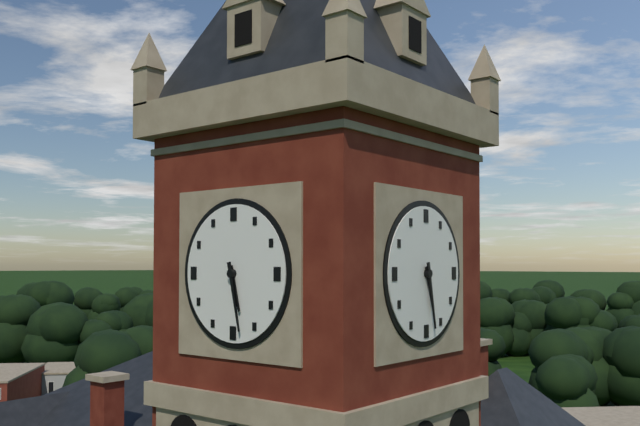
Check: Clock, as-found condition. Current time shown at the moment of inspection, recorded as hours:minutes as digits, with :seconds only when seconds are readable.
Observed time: 5:28
